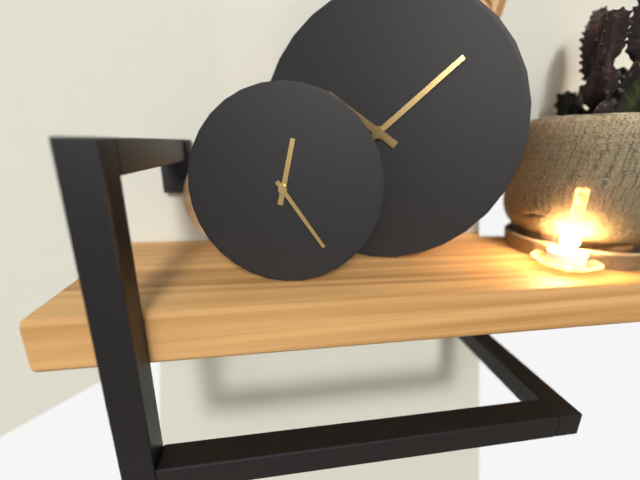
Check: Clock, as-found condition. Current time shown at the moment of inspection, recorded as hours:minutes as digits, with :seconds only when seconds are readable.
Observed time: 12:24
